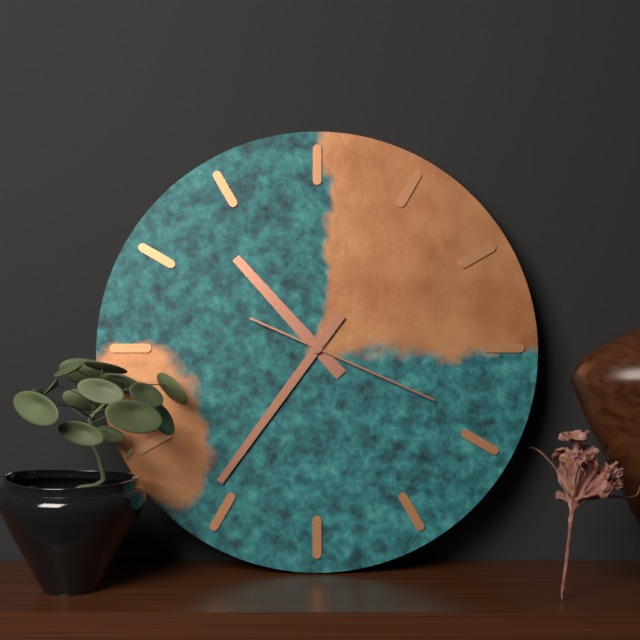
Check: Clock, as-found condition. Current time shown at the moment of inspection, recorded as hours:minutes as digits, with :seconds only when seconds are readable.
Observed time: 10:36:19
